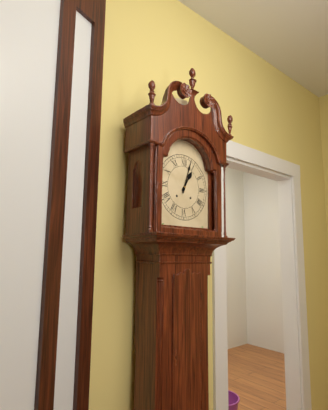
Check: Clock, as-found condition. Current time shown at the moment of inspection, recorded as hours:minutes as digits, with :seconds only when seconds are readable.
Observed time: 1:03
